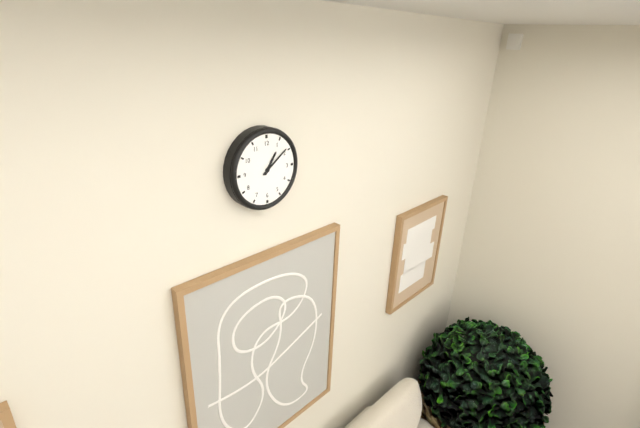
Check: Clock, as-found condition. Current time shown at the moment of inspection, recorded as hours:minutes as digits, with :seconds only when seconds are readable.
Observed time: 1:09
